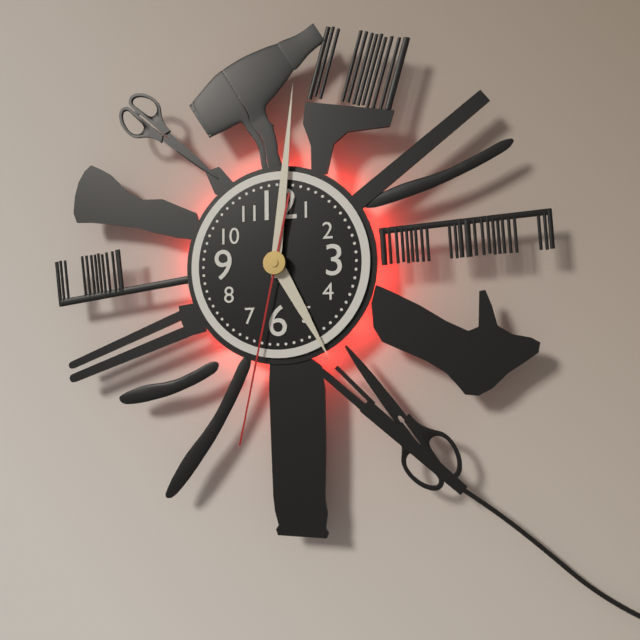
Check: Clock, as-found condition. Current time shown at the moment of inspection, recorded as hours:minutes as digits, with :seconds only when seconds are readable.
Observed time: 5:01:32
